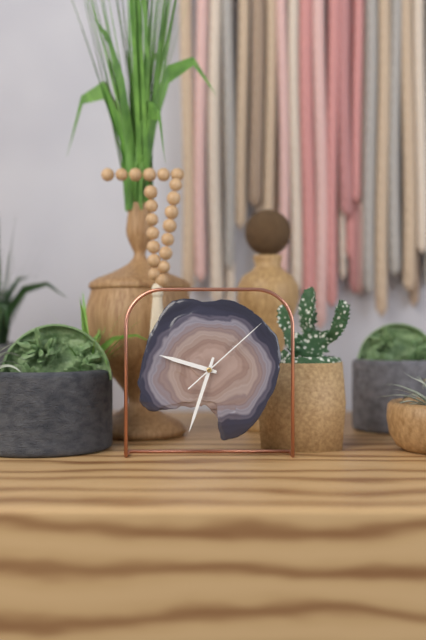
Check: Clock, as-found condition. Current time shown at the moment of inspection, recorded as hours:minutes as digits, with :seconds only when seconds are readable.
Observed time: 9:33:08
